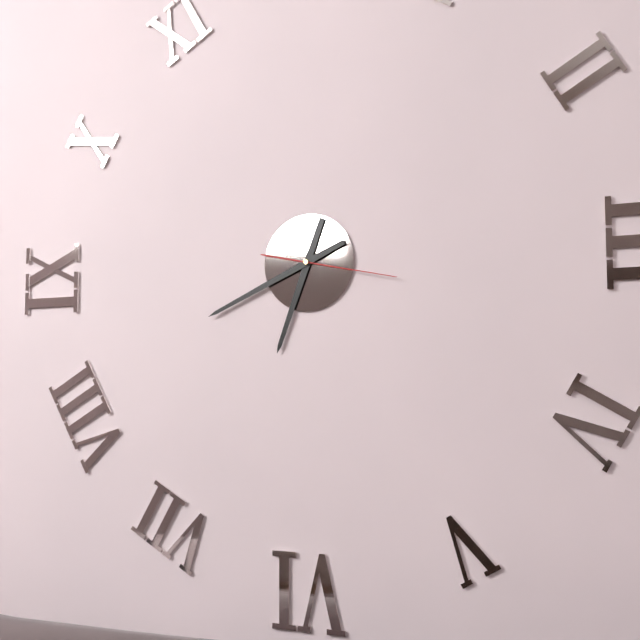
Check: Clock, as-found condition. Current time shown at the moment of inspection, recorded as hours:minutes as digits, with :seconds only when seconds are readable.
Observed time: 6:41:17
